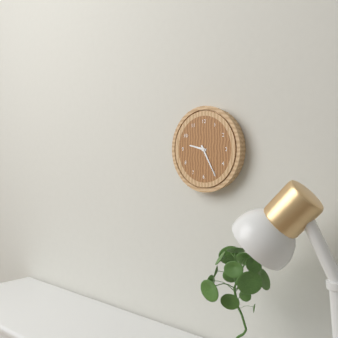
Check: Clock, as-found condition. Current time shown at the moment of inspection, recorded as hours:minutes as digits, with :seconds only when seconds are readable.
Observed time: 9:25
